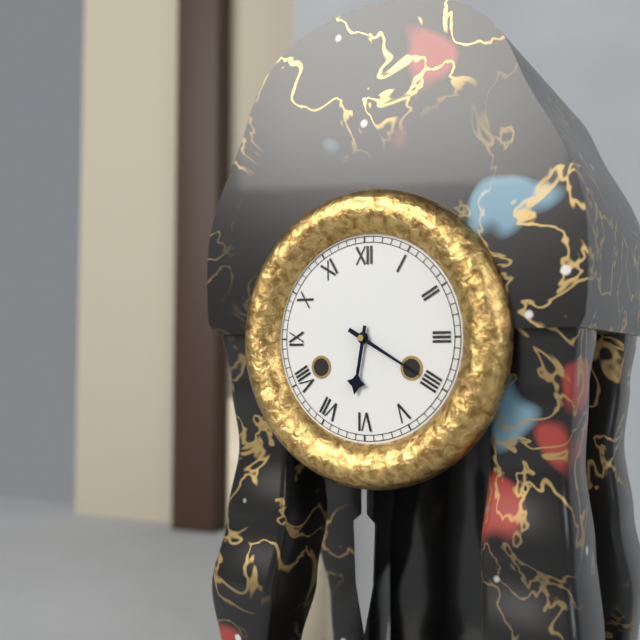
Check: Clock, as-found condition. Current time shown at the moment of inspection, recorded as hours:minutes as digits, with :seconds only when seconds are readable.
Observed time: 6:20
